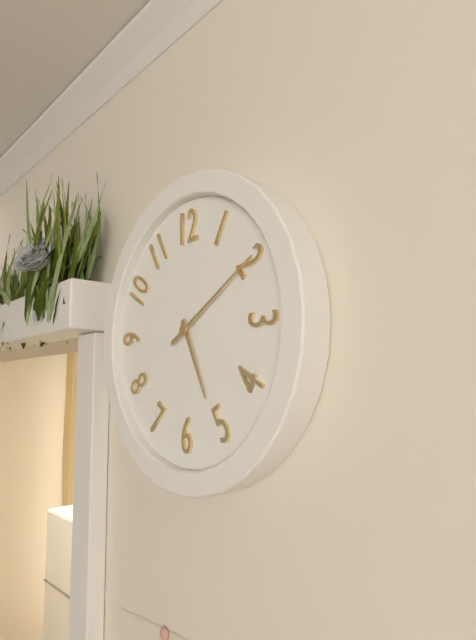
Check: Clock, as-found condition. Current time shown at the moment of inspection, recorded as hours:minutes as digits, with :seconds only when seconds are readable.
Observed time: 5:10
